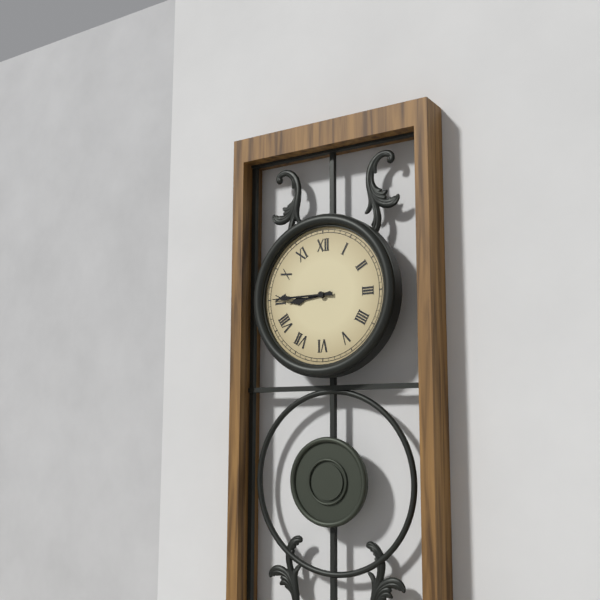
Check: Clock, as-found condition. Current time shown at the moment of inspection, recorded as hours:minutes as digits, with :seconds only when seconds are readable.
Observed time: 8:45
